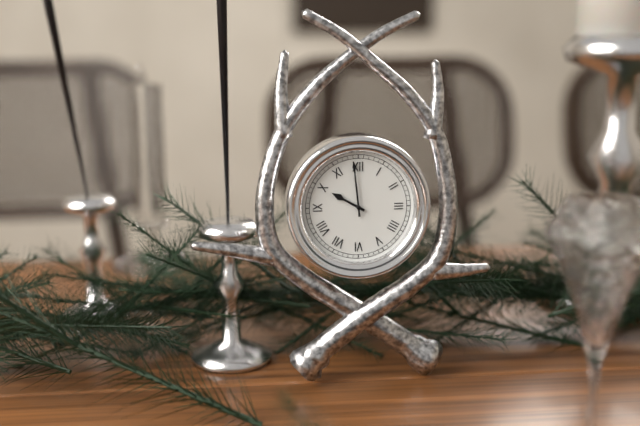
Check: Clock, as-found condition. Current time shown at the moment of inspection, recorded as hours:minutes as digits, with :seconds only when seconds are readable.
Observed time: 9:59
